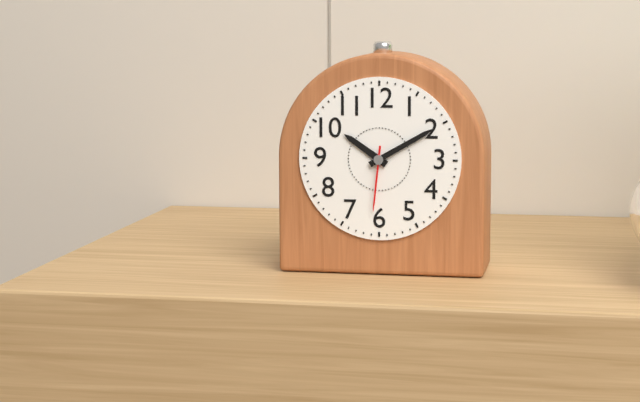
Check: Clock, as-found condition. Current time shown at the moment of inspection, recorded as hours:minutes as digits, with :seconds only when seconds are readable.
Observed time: 10:10:31
